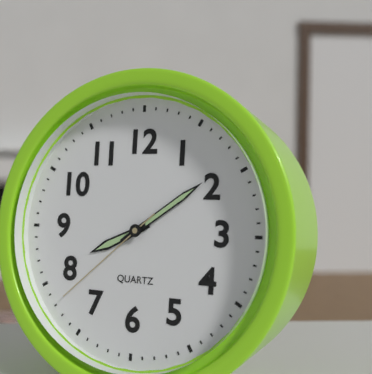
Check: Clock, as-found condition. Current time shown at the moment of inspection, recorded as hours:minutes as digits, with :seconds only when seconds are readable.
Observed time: 8:09:38
